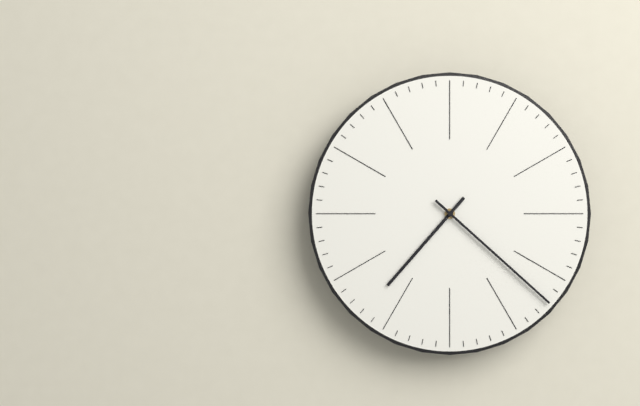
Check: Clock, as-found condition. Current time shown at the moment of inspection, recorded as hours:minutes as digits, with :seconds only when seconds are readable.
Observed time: 7:22
